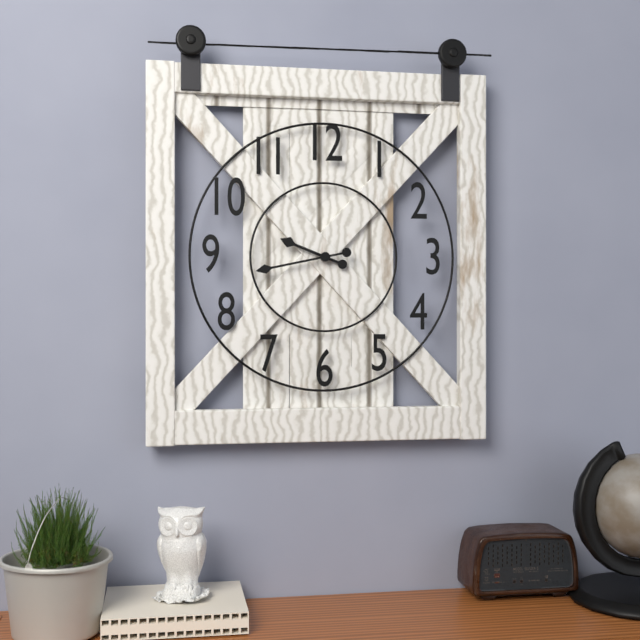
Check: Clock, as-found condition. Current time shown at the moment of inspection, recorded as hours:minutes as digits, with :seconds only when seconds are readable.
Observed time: 9:43
